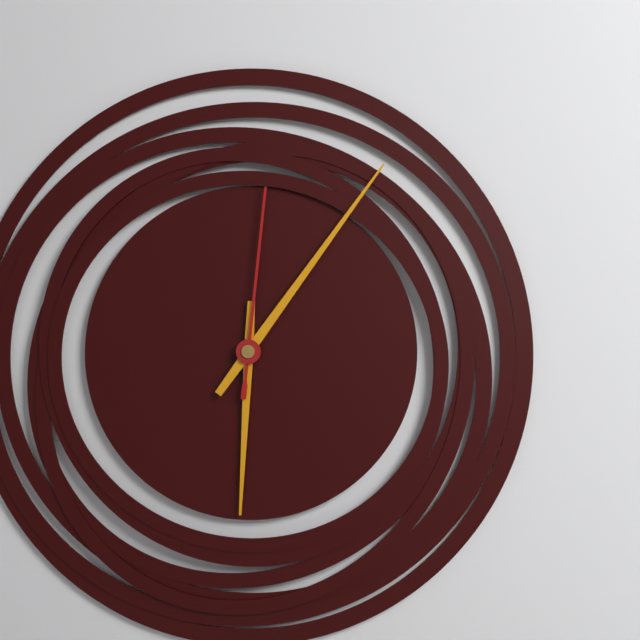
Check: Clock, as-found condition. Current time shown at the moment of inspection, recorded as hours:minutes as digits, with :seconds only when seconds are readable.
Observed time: 6:06:01
